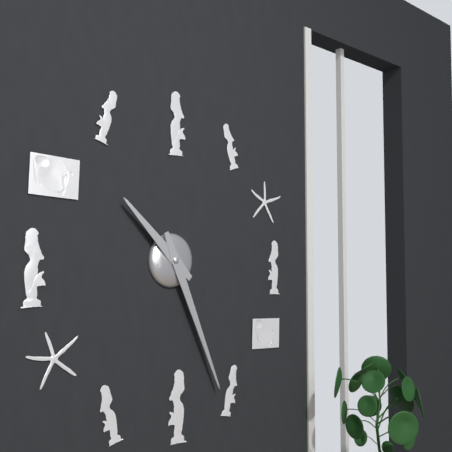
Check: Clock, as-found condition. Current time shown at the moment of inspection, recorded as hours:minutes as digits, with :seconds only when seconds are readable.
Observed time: 10:26
